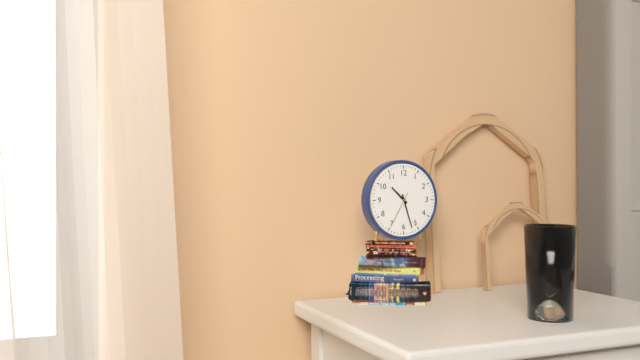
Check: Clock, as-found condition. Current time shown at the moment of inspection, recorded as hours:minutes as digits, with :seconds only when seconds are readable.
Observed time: 10:27
